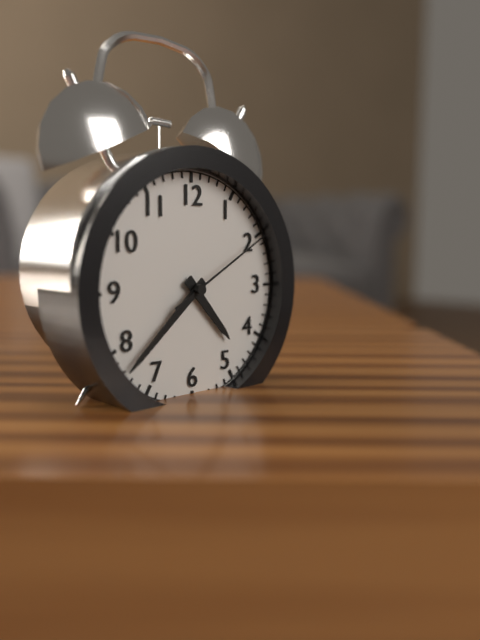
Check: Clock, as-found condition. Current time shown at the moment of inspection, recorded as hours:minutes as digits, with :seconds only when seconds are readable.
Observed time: 4:38:10
